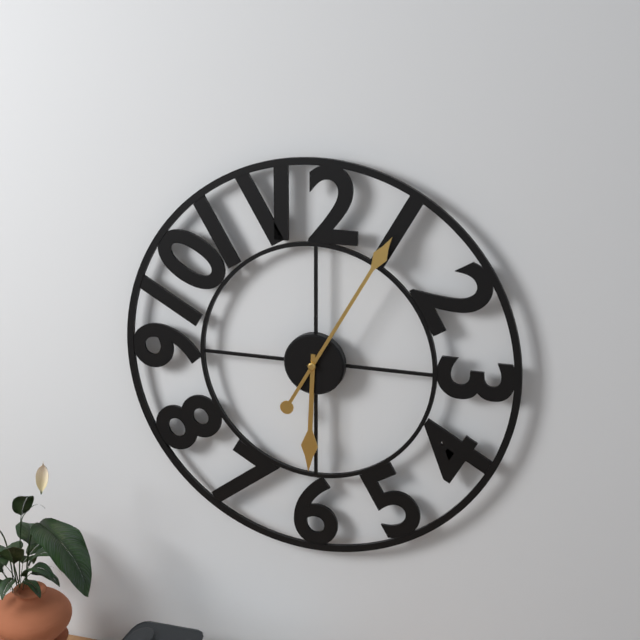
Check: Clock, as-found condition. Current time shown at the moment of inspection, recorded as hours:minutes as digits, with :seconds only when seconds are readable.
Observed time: 6:05
